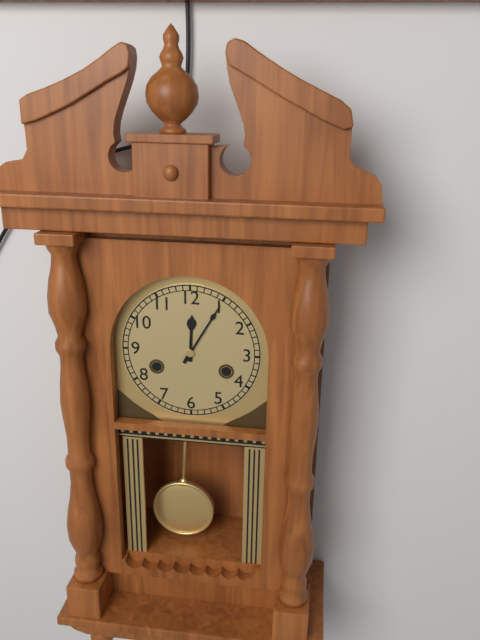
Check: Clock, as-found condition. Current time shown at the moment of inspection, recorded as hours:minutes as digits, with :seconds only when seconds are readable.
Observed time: 12:05
